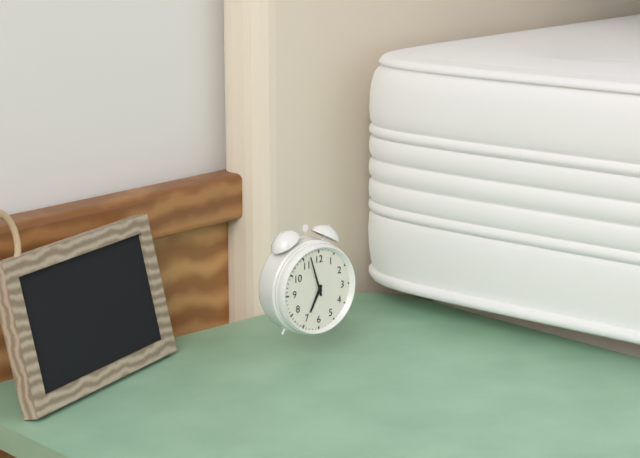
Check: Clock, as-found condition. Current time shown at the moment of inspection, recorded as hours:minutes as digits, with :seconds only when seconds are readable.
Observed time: 6:57
